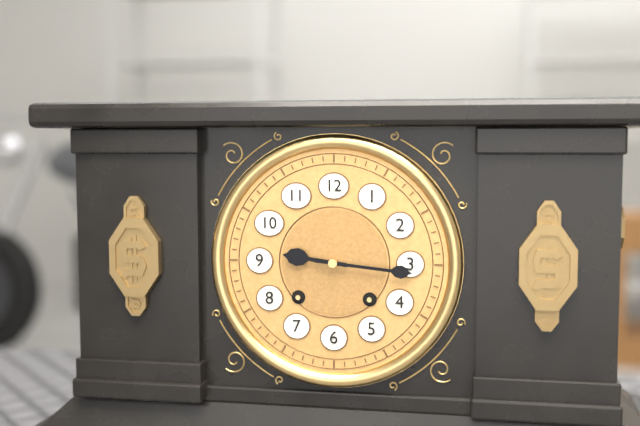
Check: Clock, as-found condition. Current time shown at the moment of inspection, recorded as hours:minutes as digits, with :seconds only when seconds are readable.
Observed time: 9:16
